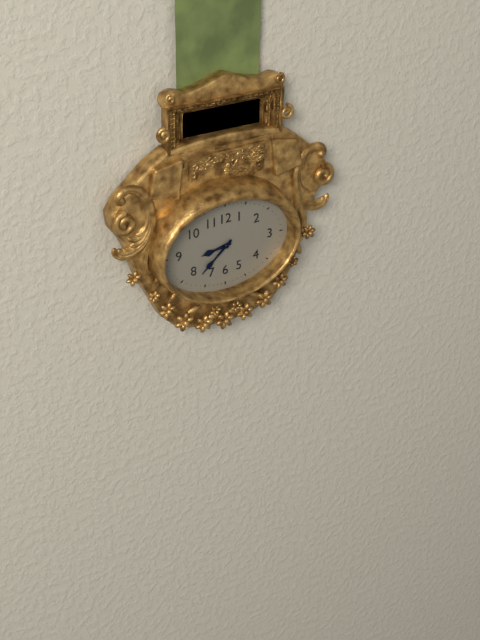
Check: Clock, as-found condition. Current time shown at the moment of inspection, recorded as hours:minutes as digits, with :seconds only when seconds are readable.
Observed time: 8:38
